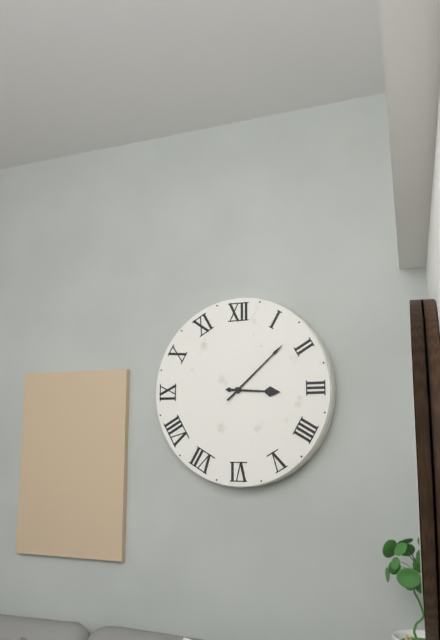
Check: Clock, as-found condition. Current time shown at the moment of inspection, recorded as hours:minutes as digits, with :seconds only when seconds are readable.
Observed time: 3:08
